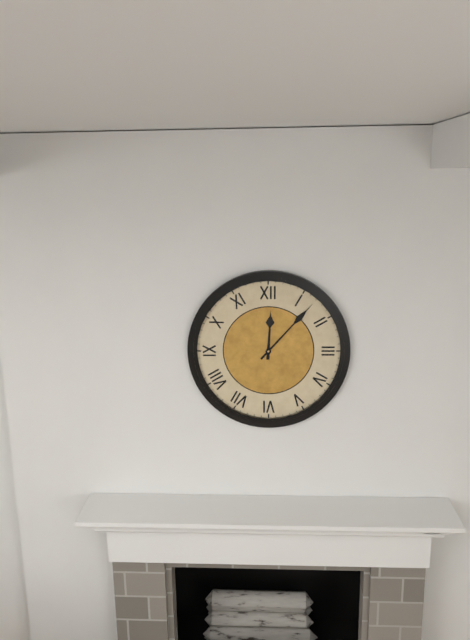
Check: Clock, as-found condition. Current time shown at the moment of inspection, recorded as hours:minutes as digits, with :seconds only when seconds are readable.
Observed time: 12:07
